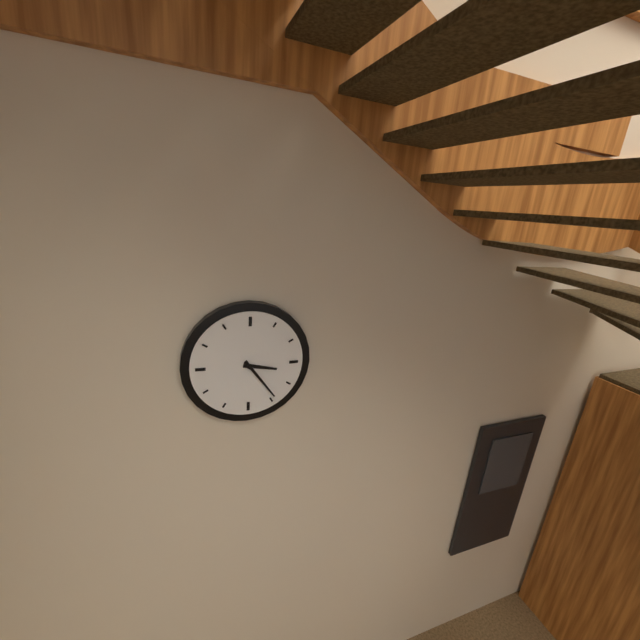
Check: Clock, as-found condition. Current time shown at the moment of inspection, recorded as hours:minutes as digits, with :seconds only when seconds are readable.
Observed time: 3:24
